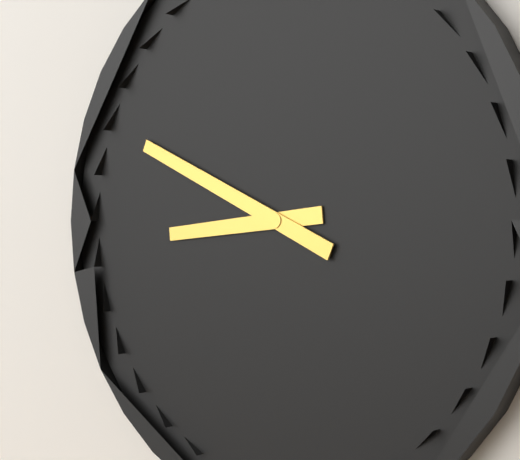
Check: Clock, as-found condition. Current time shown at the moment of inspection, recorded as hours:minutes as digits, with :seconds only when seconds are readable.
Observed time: 8:49
